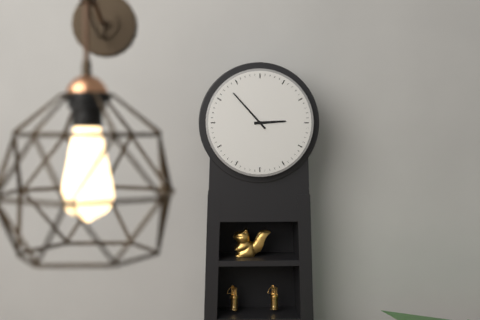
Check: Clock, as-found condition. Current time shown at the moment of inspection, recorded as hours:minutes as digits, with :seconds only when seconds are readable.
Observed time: 2:53
